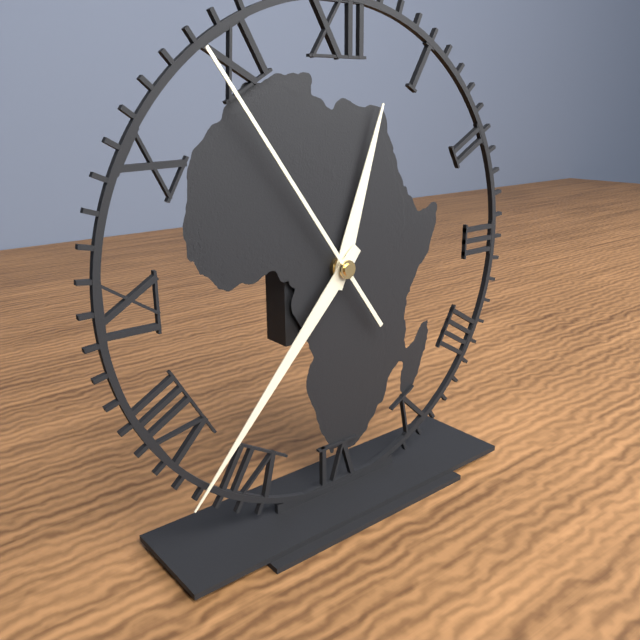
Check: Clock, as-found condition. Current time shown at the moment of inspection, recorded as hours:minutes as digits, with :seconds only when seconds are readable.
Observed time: 12:37:54
